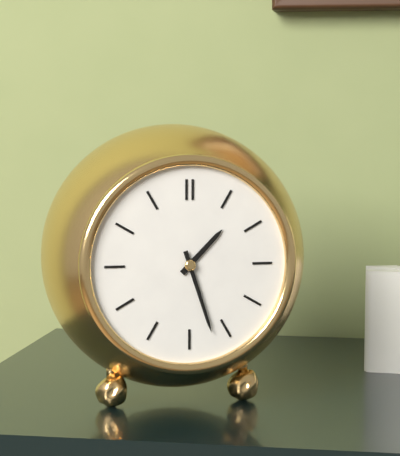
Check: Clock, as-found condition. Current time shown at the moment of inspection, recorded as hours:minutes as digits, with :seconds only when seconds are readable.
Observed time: 1:27
